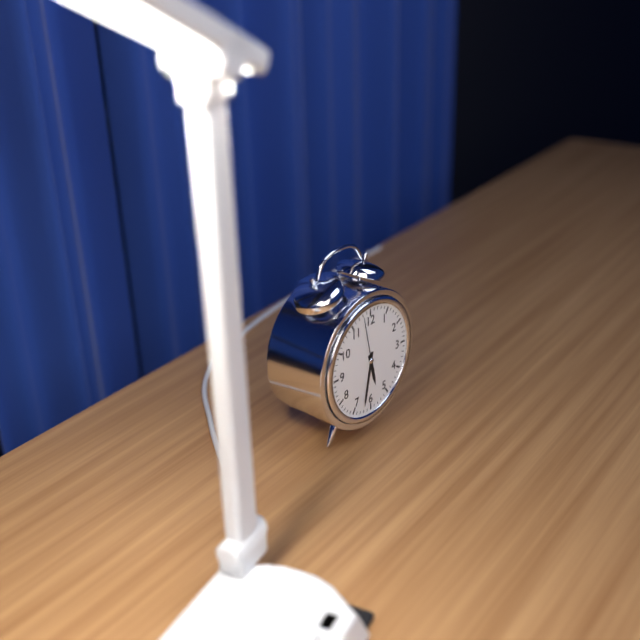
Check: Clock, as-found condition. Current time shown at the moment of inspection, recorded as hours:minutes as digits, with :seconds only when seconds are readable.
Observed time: 5:32:58
